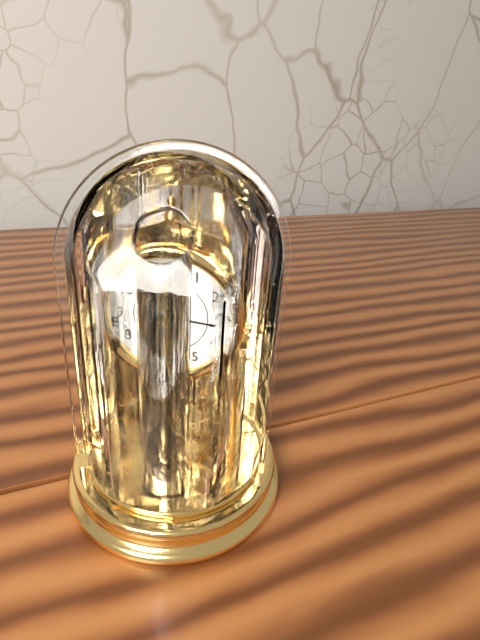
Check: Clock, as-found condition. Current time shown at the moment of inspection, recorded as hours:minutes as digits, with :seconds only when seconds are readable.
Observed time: 8:16
